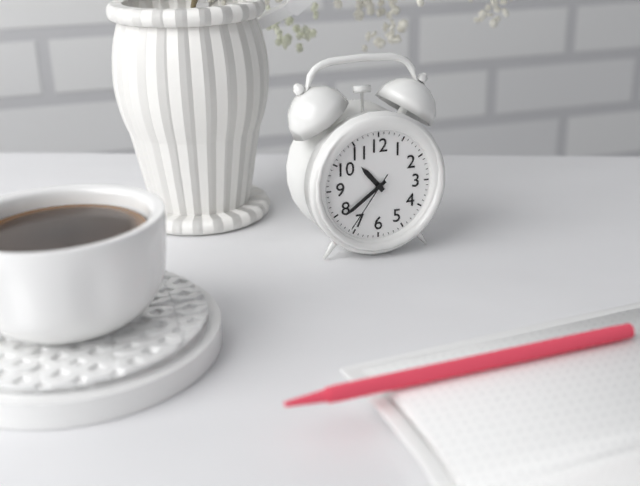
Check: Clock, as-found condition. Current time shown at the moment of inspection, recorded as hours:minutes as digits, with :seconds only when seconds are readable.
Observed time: 10:39:36
